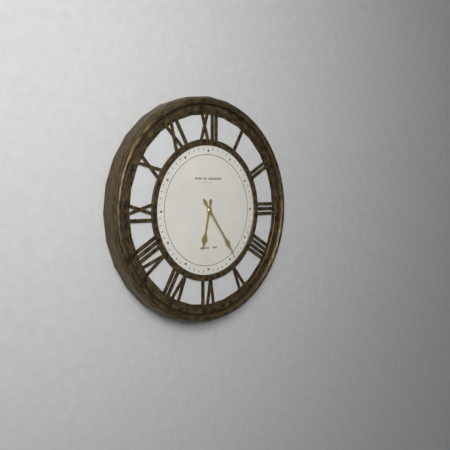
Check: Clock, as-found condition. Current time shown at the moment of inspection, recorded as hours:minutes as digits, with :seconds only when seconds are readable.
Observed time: 6:24
